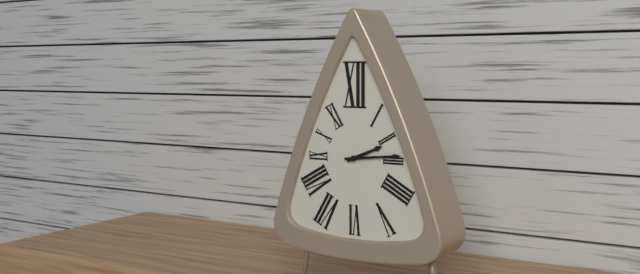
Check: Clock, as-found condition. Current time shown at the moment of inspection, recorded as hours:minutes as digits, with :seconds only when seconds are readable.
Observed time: 2:14
